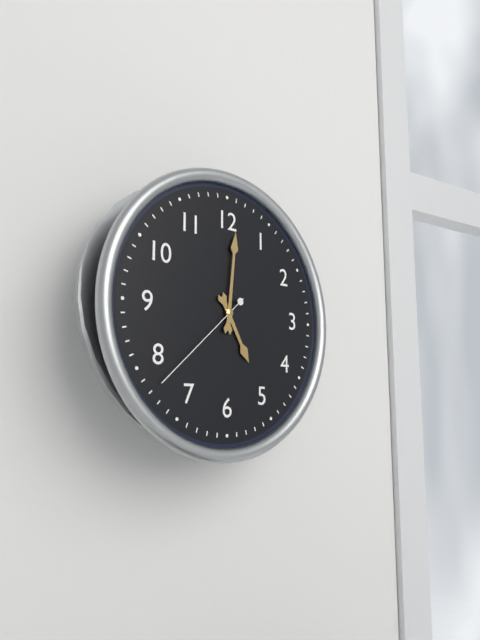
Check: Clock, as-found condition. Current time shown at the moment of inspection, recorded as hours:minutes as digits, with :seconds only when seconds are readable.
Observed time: 5:01:38
